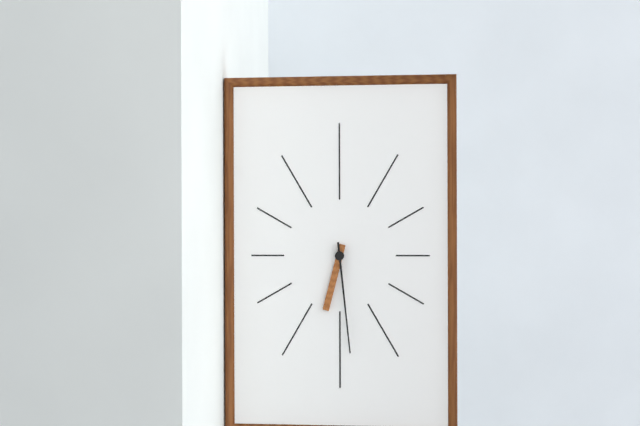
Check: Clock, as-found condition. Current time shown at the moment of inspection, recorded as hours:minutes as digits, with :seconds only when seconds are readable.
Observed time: 6:29
